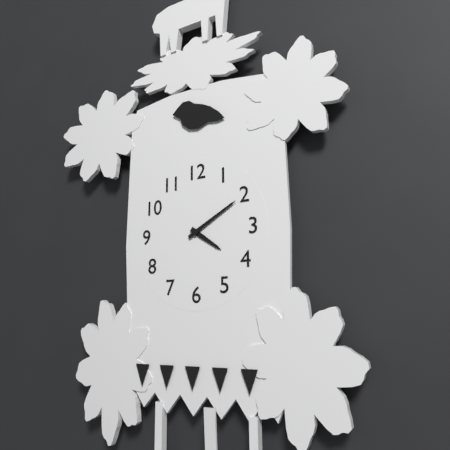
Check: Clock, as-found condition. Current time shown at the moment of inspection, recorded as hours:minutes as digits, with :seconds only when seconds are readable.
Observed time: 4:10
